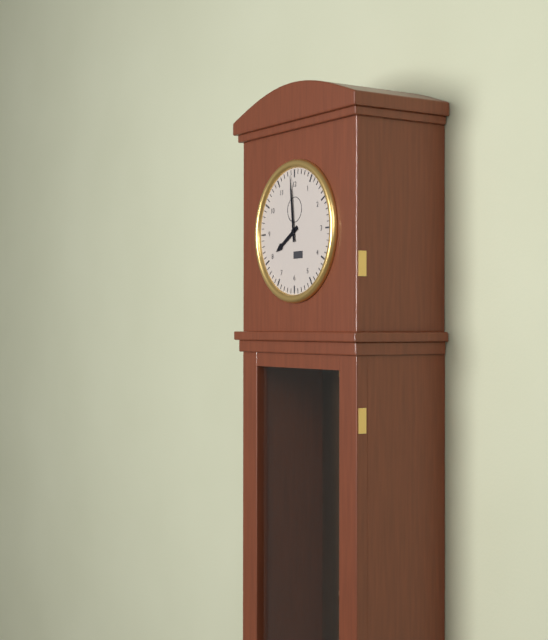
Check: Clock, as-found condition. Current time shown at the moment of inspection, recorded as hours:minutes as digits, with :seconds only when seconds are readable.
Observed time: 7:59
